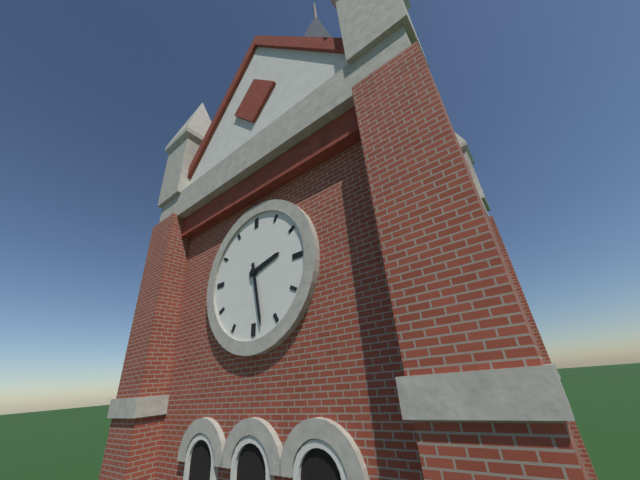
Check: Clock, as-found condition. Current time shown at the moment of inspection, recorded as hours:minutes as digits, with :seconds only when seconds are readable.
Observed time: 2:28
